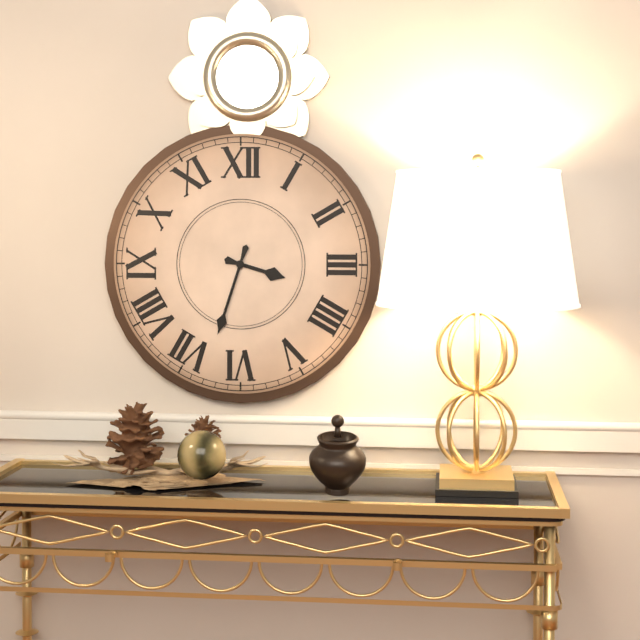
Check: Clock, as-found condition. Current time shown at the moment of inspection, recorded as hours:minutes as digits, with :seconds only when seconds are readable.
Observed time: 3:33
